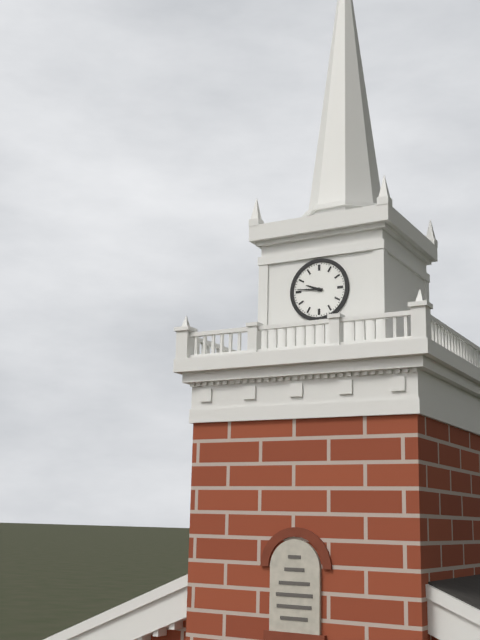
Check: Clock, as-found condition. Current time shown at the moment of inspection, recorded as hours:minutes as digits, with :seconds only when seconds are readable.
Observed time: 9:46
